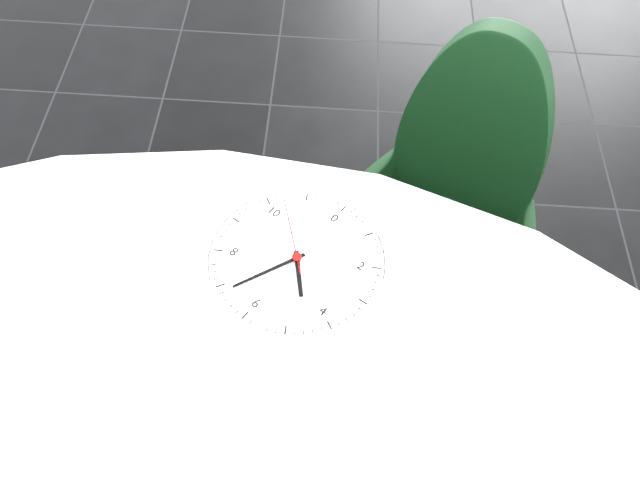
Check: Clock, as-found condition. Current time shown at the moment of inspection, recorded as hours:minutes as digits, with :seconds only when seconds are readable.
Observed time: 4:34:52
